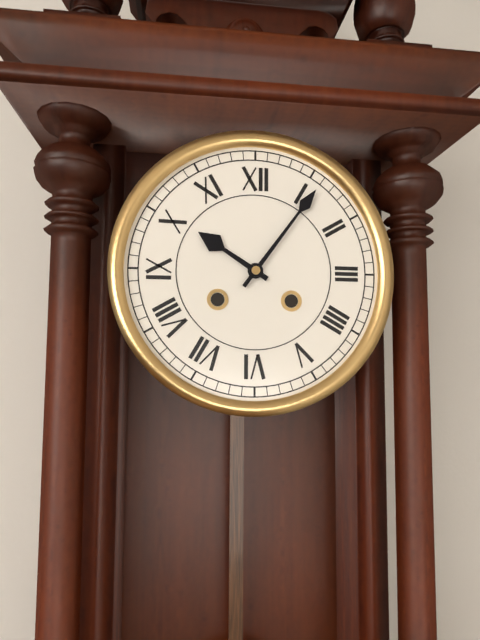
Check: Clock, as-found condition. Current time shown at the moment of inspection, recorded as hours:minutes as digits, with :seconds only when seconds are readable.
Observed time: 10:06
